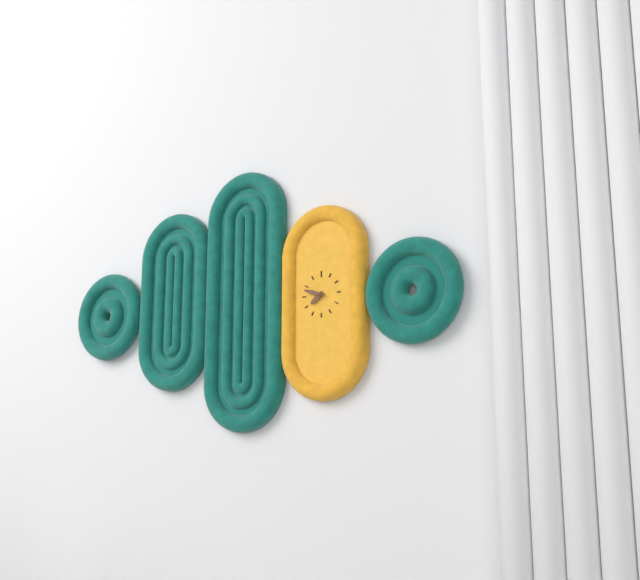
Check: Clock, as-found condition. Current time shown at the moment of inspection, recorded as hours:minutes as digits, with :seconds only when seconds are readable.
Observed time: 7:48
